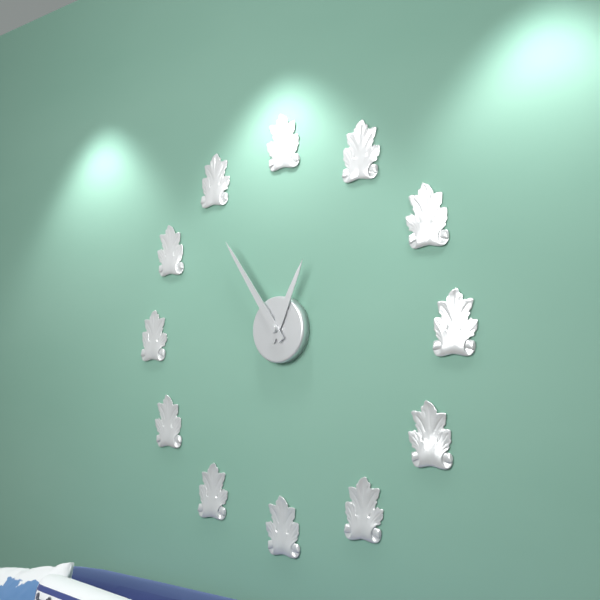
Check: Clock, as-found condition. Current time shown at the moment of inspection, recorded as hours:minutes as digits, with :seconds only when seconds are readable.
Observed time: 12:54
